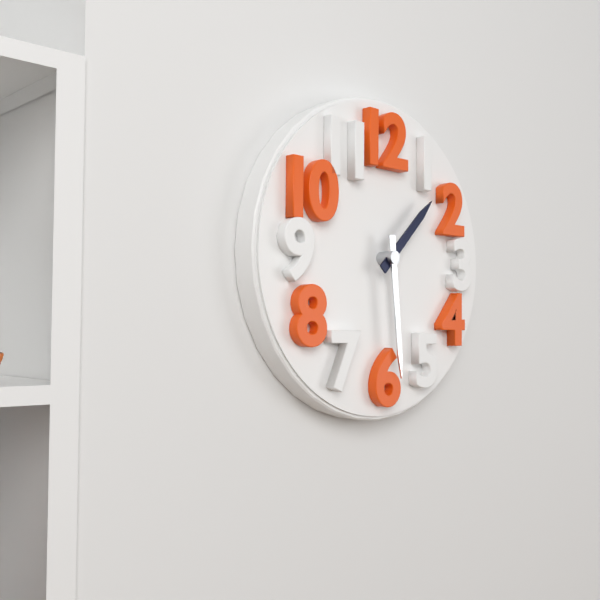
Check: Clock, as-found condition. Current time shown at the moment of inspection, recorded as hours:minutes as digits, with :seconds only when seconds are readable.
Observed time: 1:29
